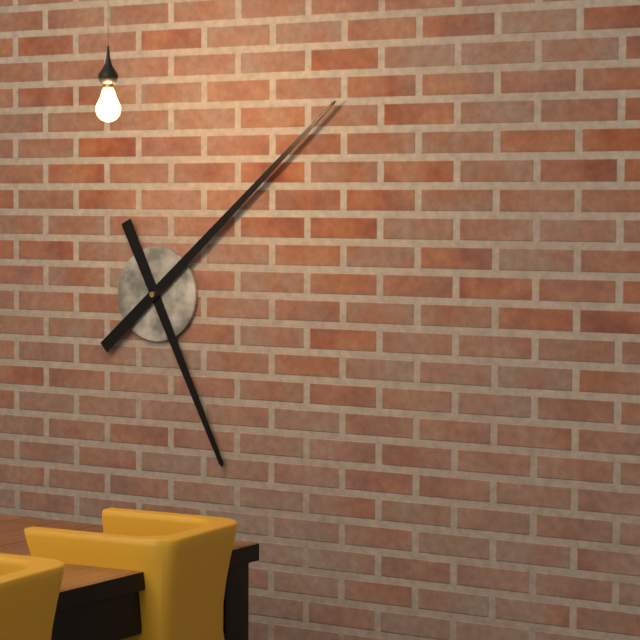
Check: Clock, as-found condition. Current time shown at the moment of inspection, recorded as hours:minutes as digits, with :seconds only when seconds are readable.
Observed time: 5:08
